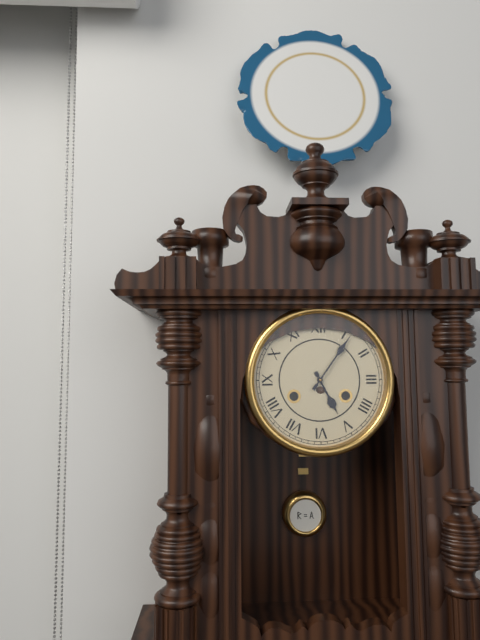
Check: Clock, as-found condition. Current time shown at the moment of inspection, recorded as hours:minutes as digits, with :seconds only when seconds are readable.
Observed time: 5:06
